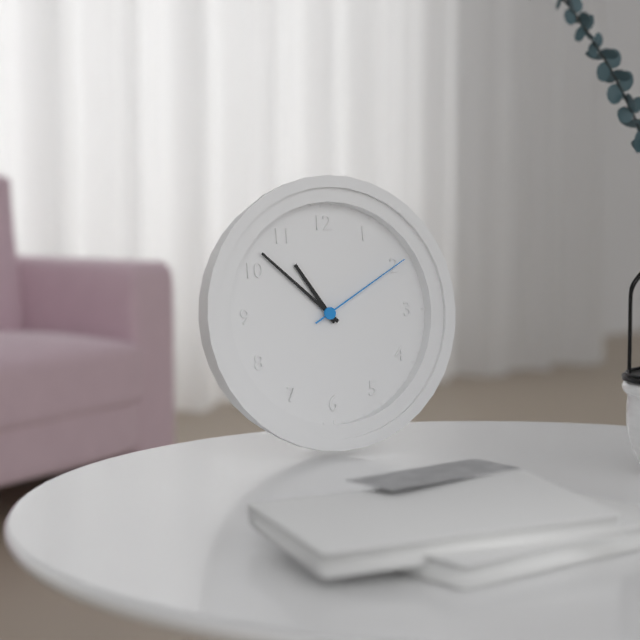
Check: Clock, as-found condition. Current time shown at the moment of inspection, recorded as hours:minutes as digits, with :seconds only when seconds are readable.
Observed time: 10:52:10
